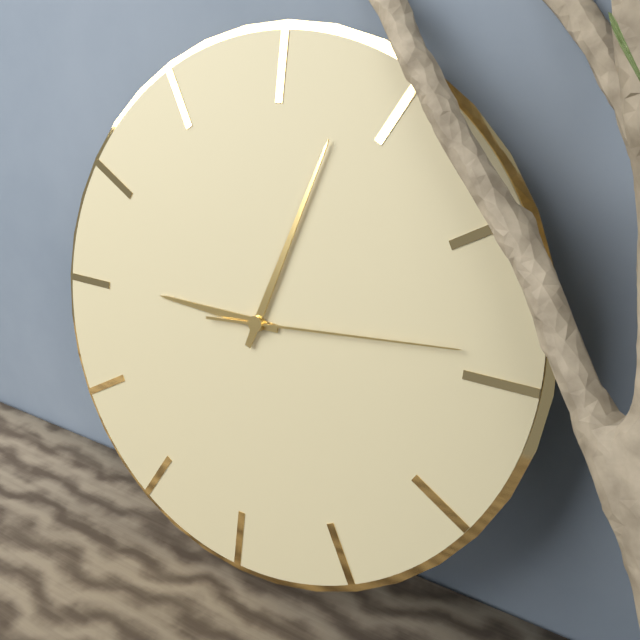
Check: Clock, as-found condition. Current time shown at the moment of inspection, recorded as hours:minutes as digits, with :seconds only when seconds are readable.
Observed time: 9:03:14
